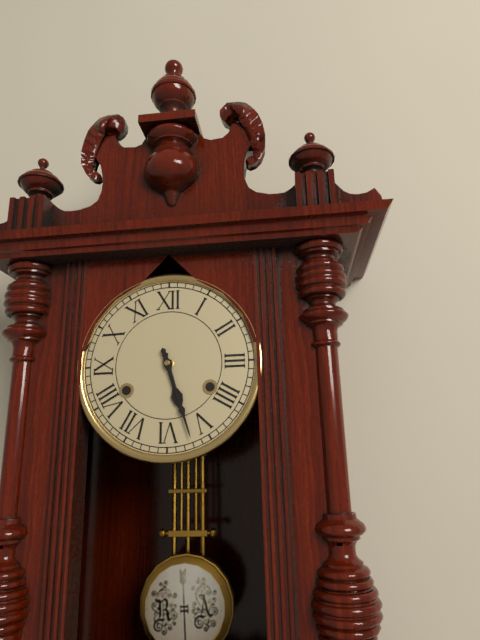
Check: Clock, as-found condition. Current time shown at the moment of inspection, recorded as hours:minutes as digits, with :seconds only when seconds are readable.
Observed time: 5:27
